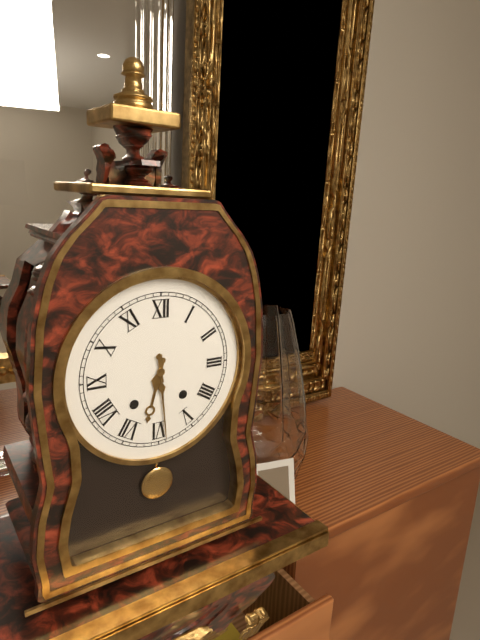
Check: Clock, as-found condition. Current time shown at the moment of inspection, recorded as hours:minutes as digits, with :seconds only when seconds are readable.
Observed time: 6:29
